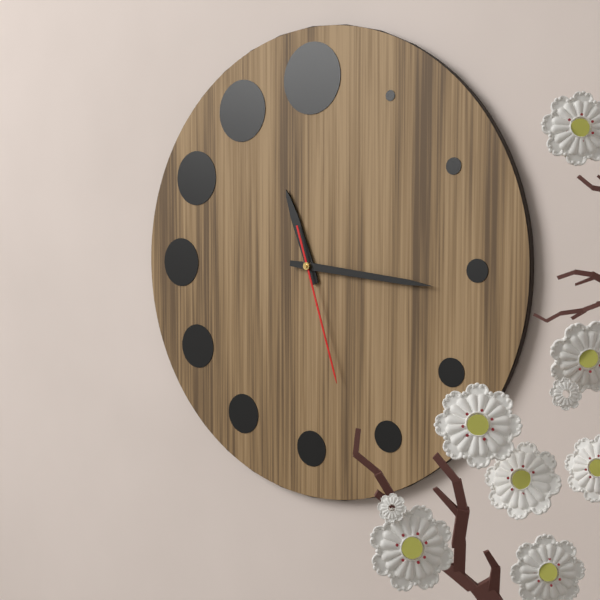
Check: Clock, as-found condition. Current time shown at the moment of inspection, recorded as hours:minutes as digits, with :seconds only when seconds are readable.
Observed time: 11:16:27
